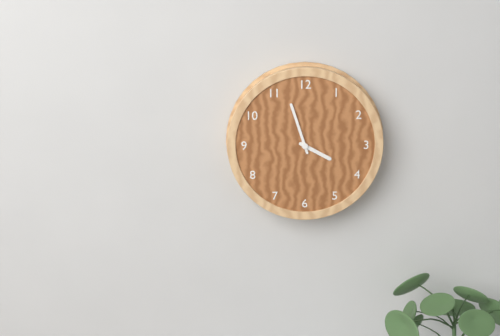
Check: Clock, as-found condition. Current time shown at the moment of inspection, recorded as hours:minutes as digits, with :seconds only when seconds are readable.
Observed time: 3:57
